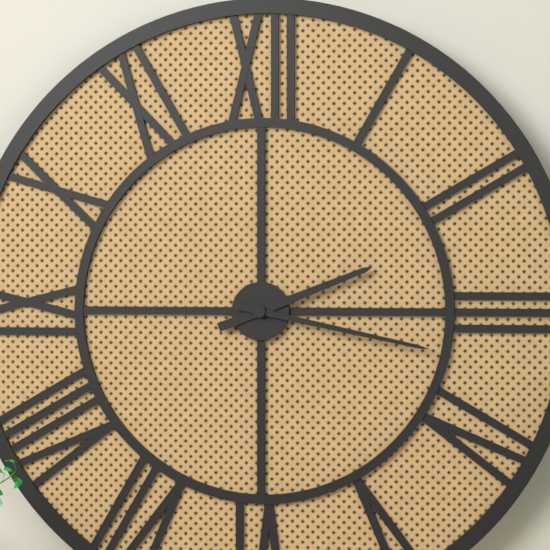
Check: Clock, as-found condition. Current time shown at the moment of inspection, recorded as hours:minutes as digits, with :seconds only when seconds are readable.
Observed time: 2:17
